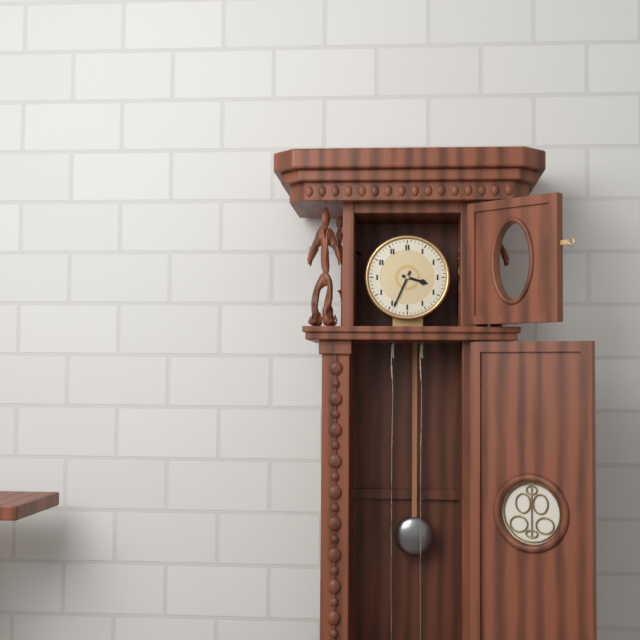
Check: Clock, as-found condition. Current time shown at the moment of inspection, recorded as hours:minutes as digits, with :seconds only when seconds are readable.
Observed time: 3:34
